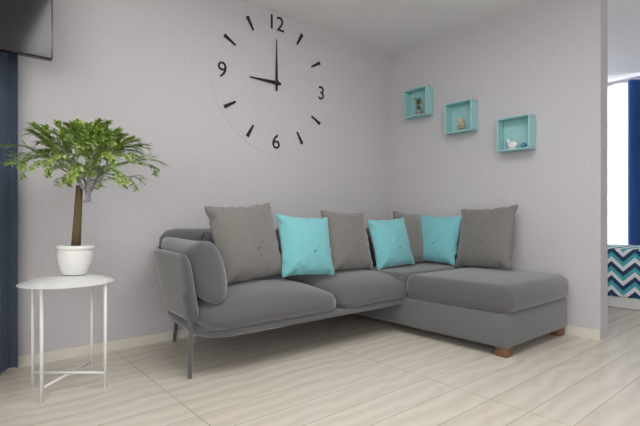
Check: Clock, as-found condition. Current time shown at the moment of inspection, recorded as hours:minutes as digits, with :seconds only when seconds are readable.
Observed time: 9:00
